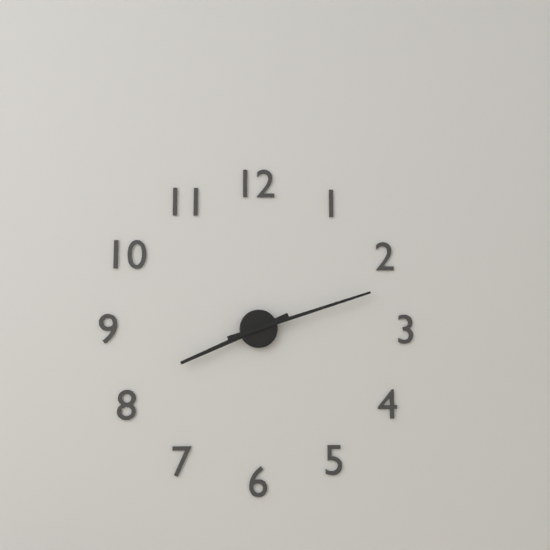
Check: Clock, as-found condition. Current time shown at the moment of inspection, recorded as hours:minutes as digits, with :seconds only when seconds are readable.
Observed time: 8:12
